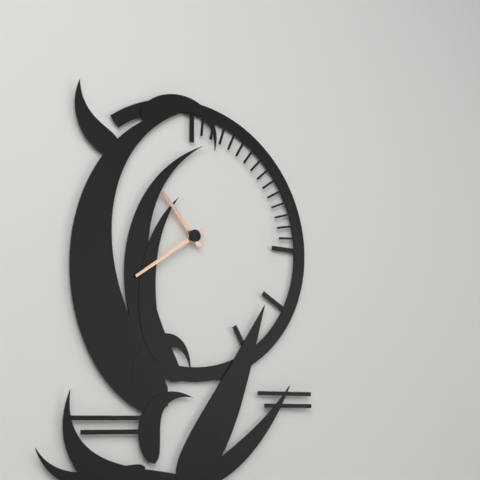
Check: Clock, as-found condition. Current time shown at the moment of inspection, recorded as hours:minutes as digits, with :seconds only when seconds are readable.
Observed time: 10:39
